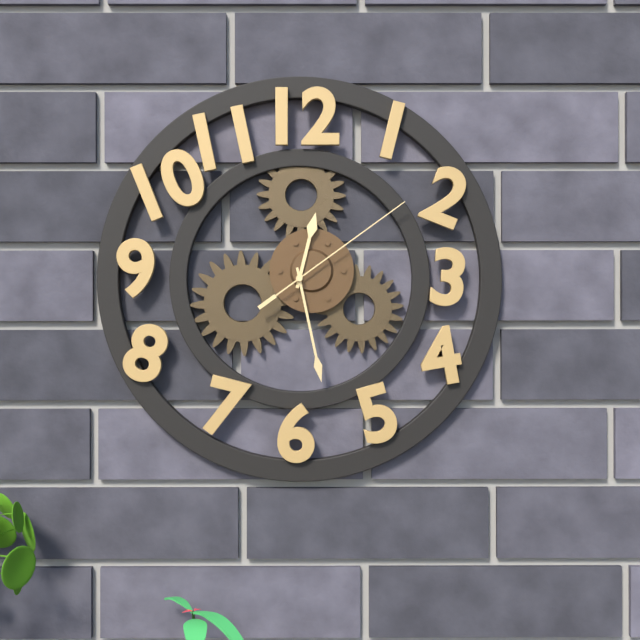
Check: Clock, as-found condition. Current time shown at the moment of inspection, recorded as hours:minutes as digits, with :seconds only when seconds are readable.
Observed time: 12:28:09
